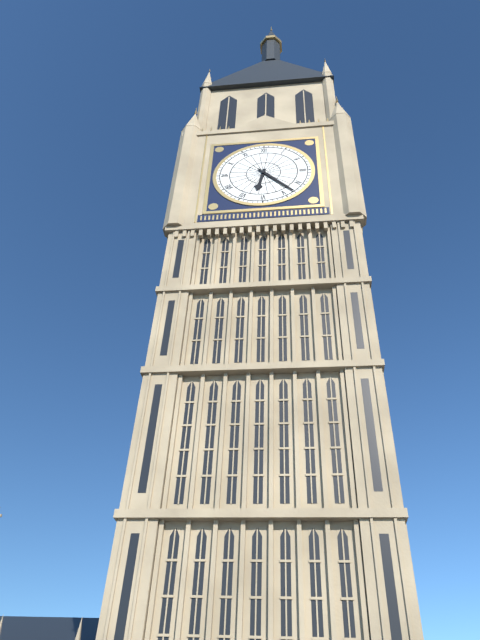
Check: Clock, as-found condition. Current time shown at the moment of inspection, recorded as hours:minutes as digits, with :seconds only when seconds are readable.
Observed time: 6:23
